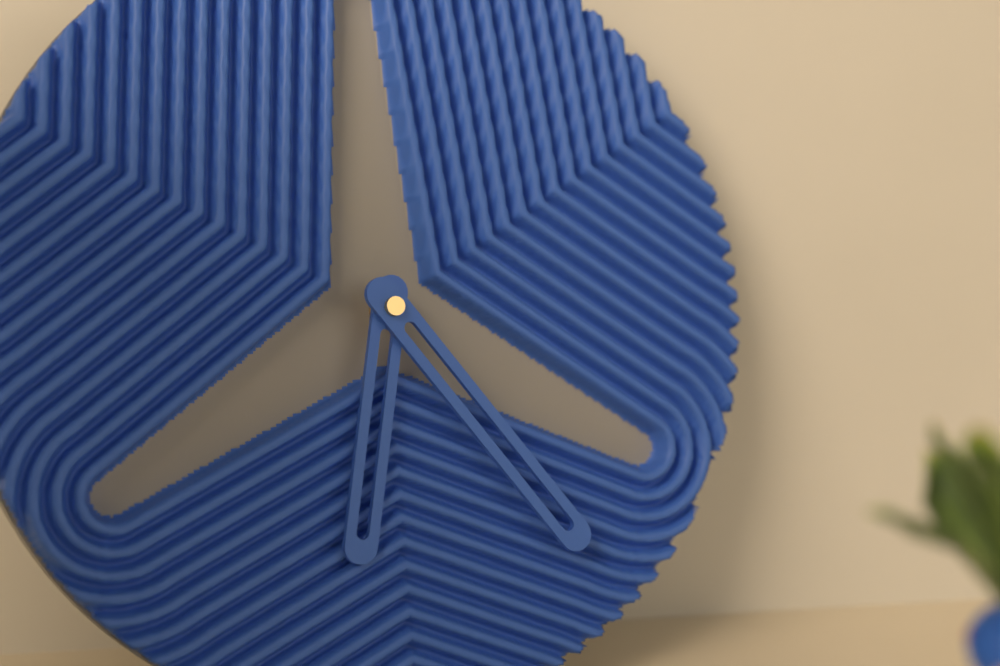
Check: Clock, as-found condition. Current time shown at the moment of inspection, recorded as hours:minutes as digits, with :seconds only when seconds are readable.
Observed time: 6:24
